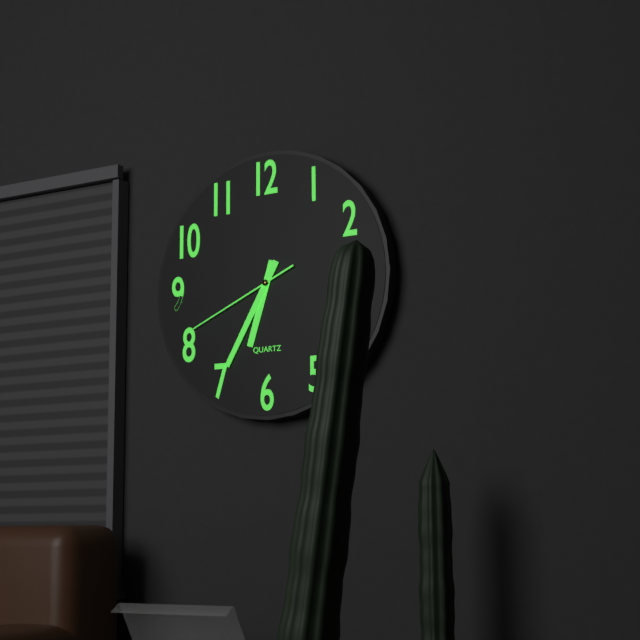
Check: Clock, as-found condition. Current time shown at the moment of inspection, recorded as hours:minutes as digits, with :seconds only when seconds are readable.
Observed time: 6:35:41
